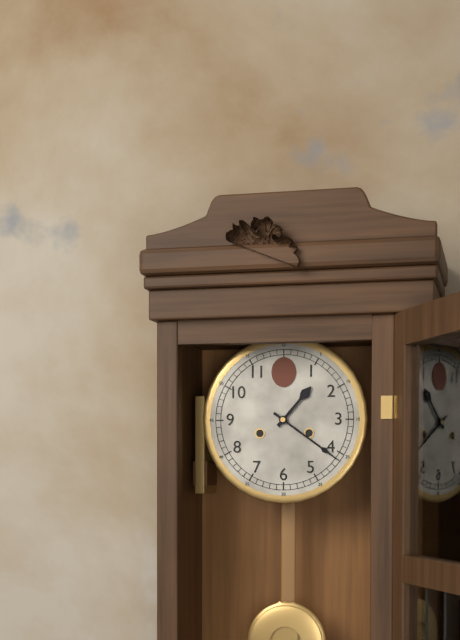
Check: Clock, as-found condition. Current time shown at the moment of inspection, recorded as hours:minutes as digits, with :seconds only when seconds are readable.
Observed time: 1:21
